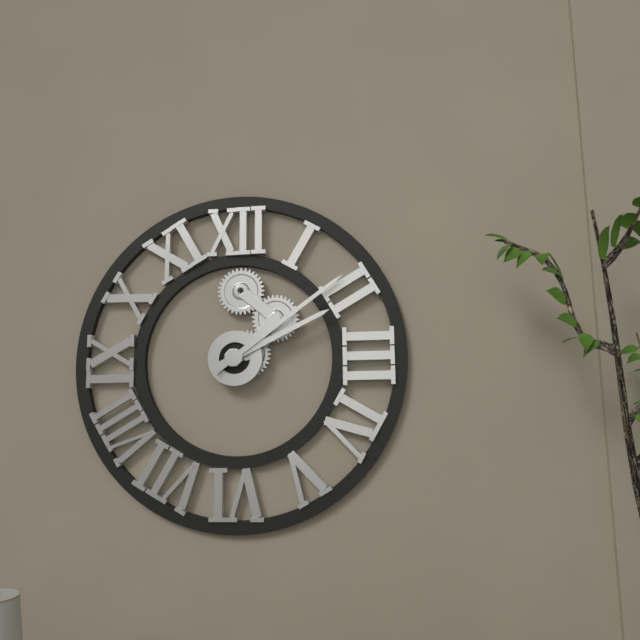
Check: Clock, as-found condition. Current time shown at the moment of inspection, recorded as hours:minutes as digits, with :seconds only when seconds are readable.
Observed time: 2:09
